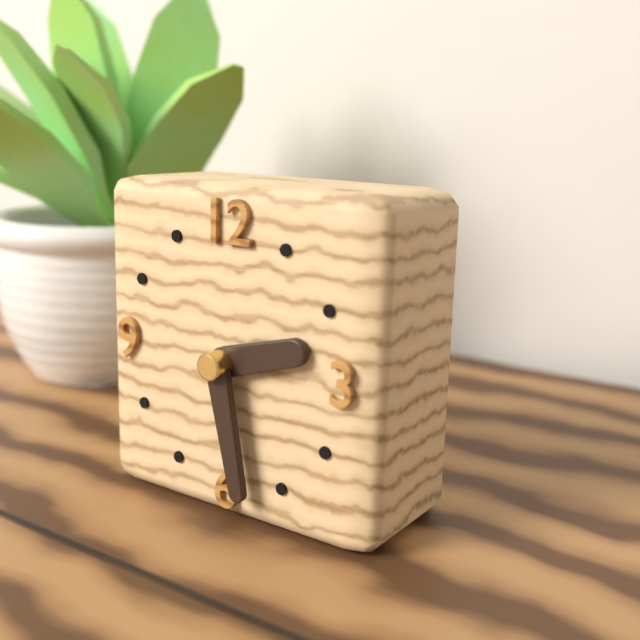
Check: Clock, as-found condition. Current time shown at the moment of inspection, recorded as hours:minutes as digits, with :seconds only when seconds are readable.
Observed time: 2:28
